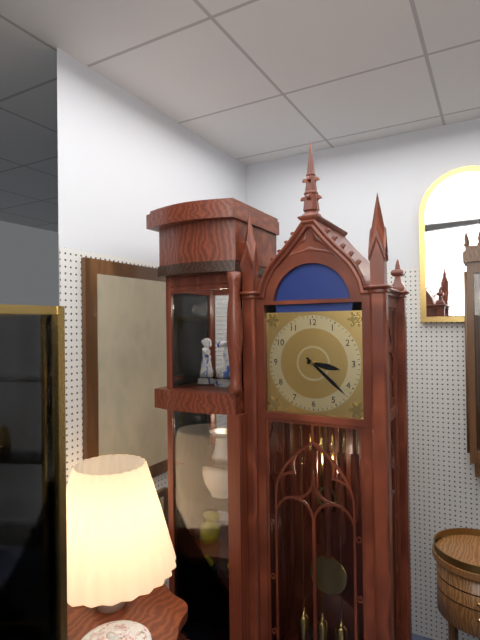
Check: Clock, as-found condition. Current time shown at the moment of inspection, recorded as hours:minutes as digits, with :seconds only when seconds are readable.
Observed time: 3:22
